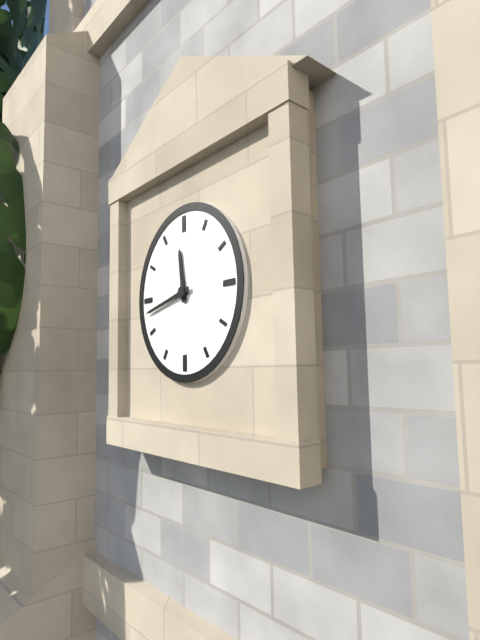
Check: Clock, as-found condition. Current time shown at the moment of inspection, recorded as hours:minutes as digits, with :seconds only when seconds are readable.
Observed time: 11:43
